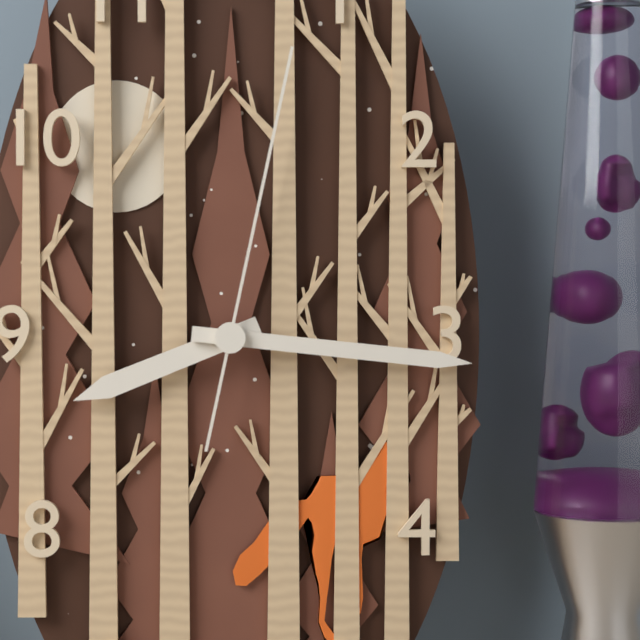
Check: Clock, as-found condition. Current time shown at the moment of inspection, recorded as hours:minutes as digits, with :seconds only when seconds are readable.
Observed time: 8:16:02
